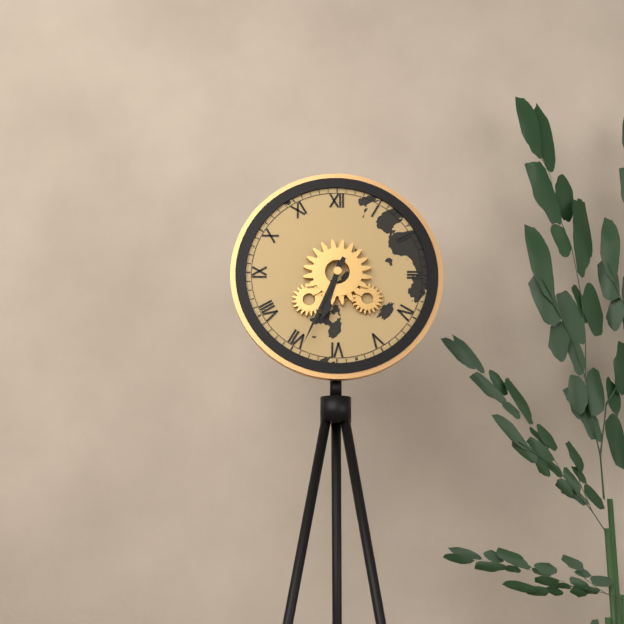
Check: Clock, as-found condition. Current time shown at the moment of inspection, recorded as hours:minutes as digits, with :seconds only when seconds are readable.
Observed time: 6:34
